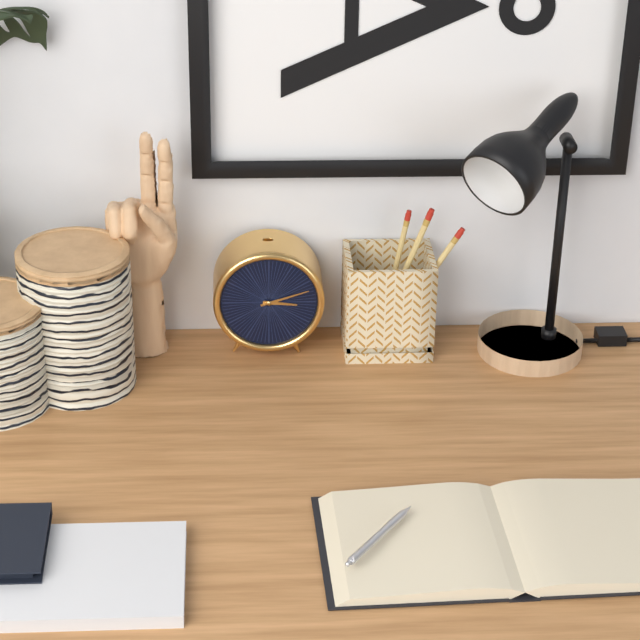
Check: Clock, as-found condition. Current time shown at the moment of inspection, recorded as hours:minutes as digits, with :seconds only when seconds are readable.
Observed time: 3:12
